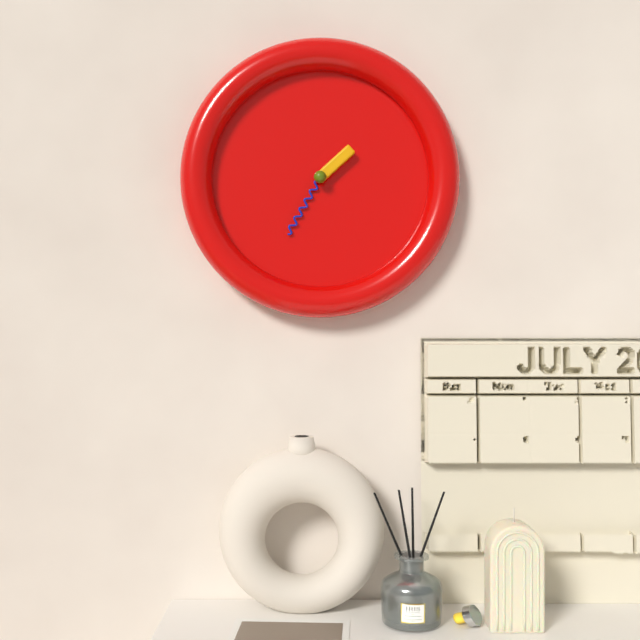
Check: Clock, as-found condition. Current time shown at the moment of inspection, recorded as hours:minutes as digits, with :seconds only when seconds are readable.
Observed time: 1:35
